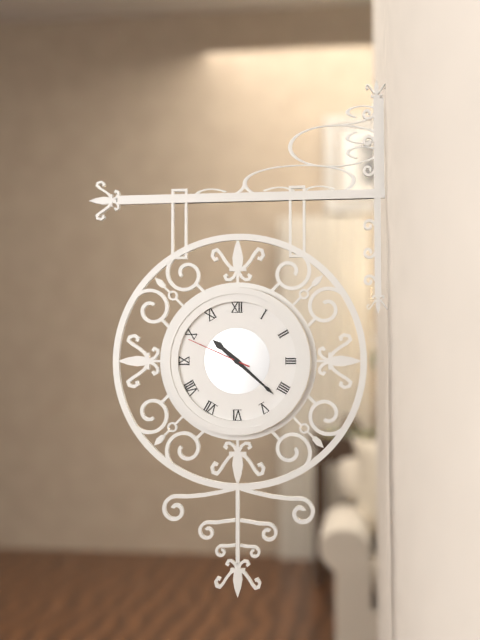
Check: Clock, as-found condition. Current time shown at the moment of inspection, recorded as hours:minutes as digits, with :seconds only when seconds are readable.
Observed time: 10:22:49
